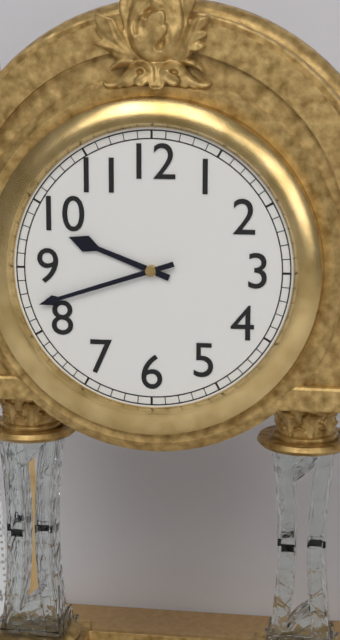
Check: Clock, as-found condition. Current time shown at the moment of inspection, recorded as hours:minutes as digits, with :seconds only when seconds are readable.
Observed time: 9:42
